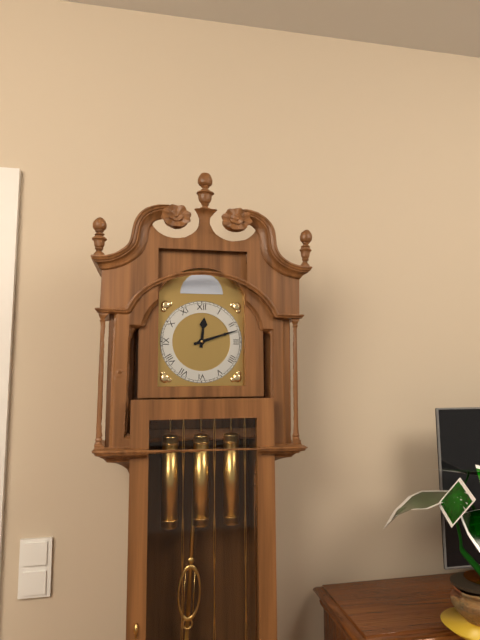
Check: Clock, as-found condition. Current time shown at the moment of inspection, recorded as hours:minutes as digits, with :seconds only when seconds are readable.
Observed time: 12:12
